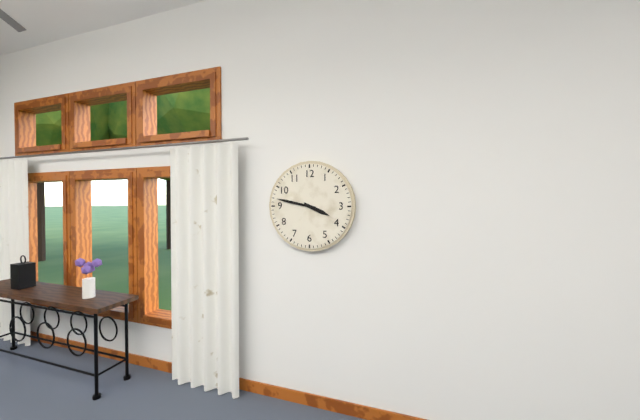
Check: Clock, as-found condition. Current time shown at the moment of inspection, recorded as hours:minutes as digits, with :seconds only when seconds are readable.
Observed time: 3:47
